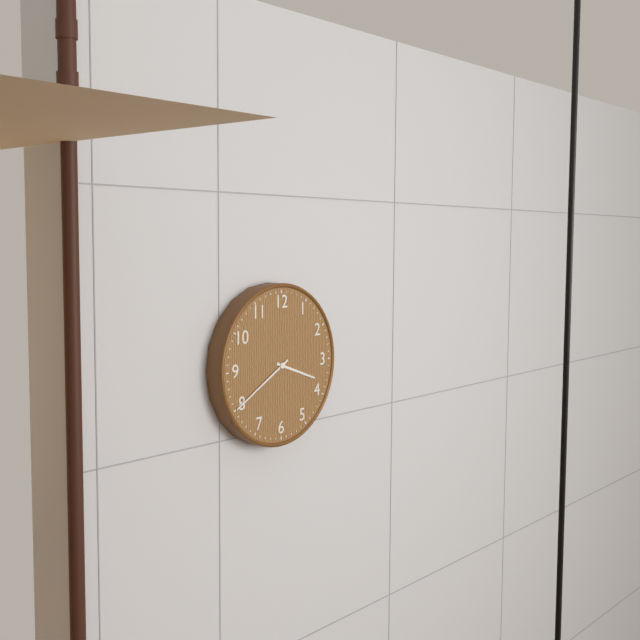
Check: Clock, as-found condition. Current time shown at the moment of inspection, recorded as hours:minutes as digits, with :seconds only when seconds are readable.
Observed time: 3:40
